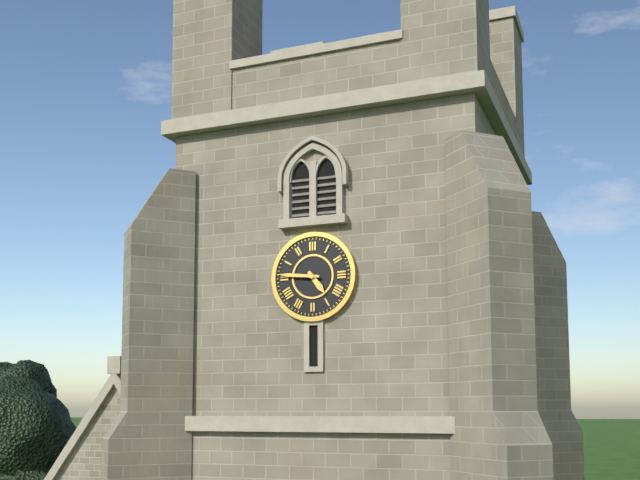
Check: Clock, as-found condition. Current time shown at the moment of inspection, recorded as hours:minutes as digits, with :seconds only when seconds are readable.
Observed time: 4:46
